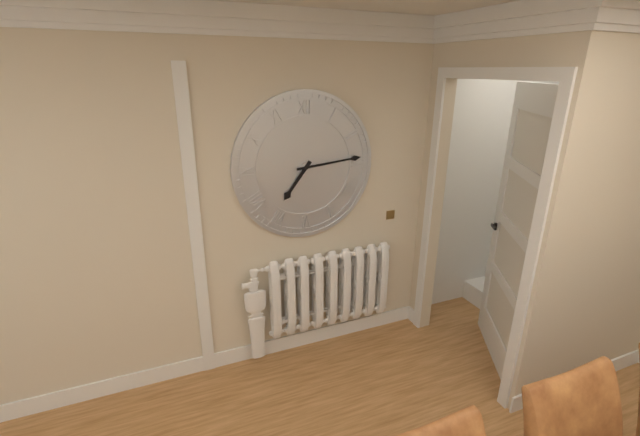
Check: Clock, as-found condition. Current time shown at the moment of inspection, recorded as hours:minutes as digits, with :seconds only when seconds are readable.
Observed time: 7:14
